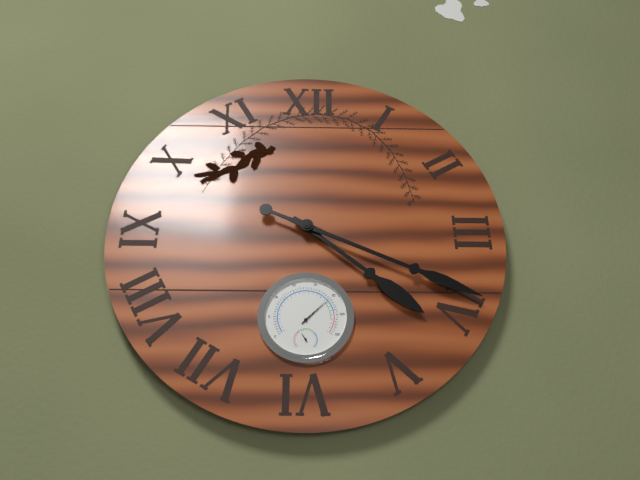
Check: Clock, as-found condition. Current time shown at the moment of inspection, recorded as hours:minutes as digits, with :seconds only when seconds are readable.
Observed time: 4:19
